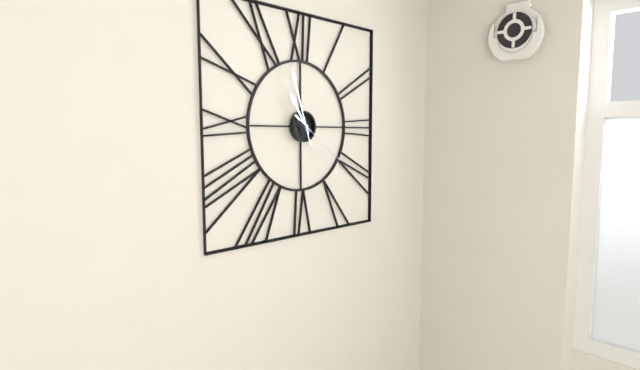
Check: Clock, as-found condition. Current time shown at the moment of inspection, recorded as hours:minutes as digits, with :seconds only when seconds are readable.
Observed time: 10:57:21
